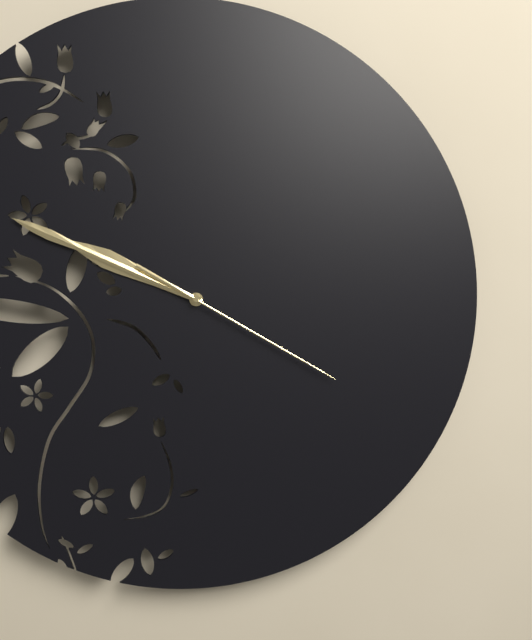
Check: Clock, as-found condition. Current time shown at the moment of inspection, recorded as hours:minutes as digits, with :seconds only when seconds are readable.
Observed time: 9:49:20
